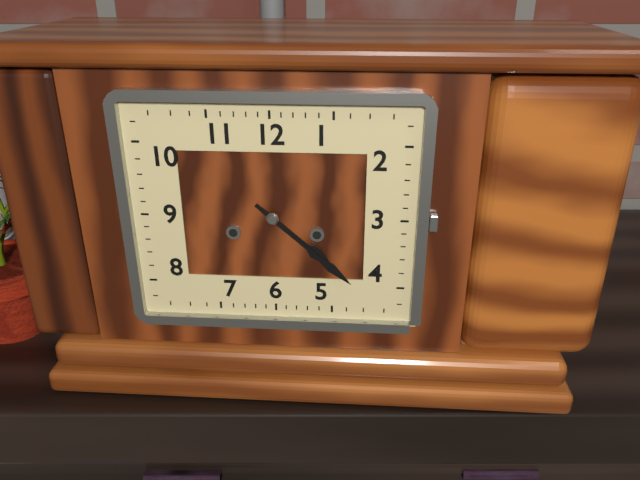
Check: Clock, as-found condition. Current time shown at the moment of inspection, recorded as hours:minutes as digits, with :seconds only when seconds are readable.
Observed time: 4:22
